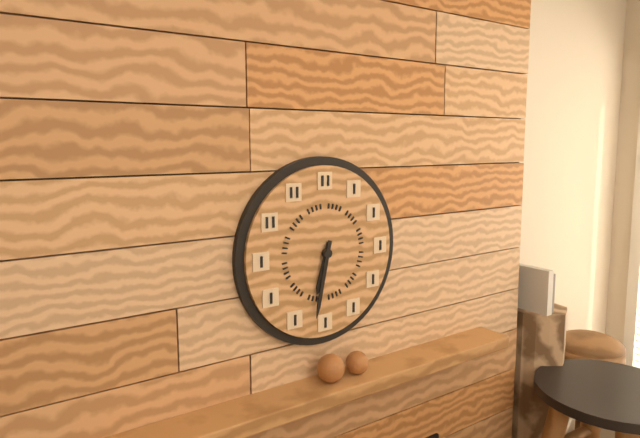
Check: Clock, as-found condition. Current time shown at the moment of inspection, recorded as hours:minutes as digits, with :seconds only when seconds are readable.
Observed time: 6:32
